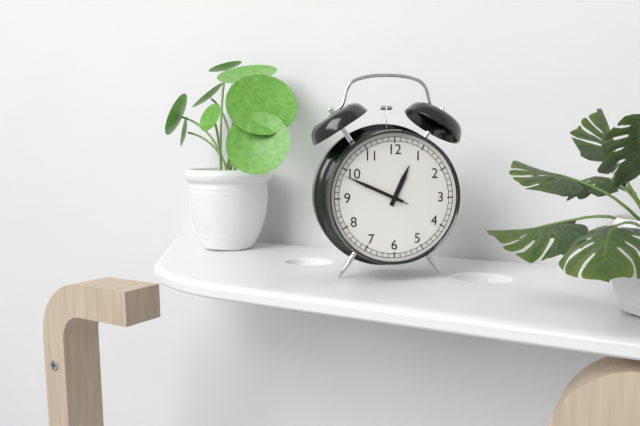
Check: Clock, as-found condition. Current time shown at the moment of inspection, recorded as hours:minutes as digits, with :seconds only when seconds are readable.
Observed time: 12:49:49
